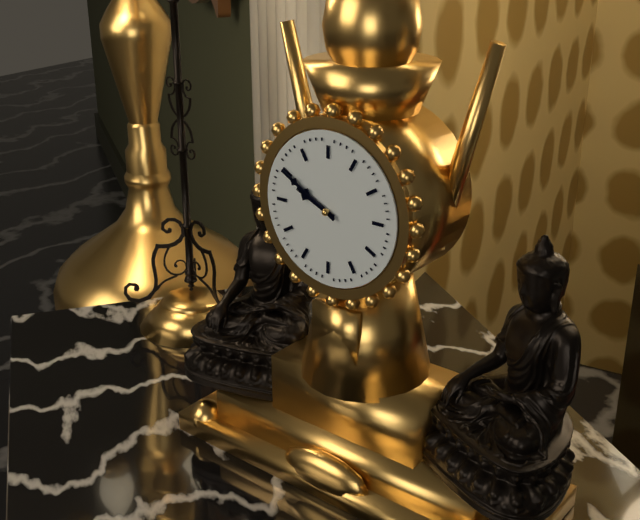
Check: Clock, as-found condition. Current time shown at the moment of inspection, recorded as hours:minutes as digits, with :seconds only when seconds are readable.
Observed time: 9:50
